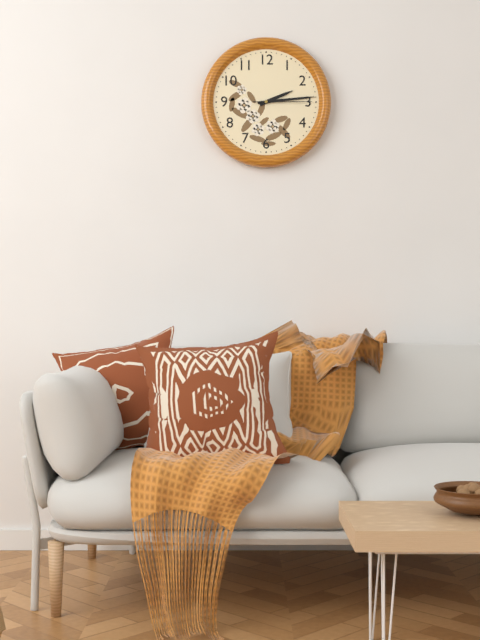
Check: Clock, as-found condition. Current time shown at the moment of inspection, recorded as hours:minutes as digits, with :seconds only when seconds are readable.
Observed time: 2:14:15
